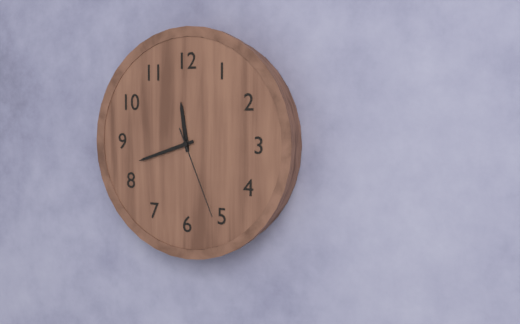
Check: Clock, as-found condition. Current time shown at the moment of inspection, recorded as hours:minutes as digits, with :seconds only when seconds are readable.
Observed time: 11:42:26
